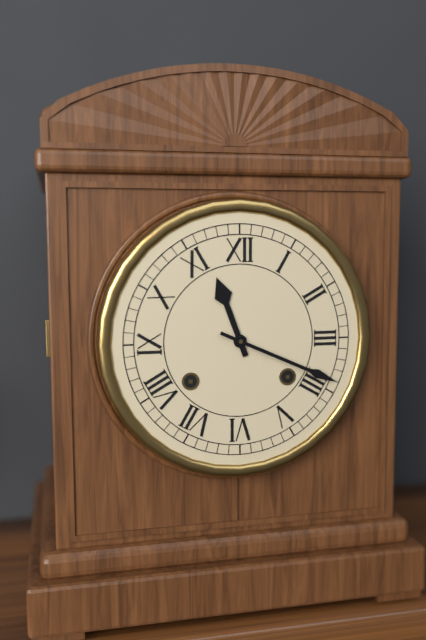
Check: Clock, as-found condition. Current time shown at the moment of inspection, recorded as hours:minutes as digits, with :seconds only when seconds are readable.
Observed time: 11:19
